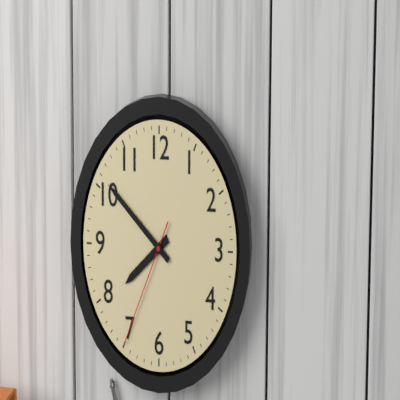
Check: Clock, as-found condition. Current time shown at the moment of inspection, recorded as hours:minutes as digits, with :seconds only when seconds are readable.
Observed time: 7:51:35
